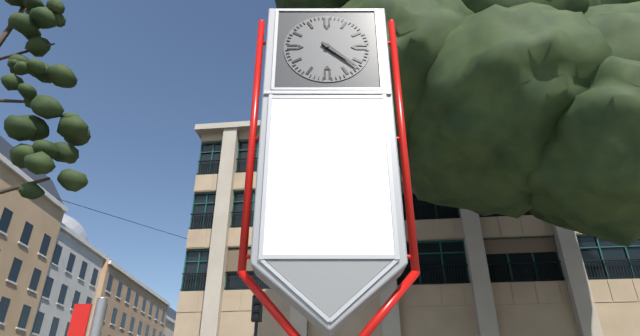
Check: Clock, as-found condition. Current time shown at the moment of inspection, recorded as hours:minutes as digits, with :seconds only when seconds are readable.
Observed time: 4:22
